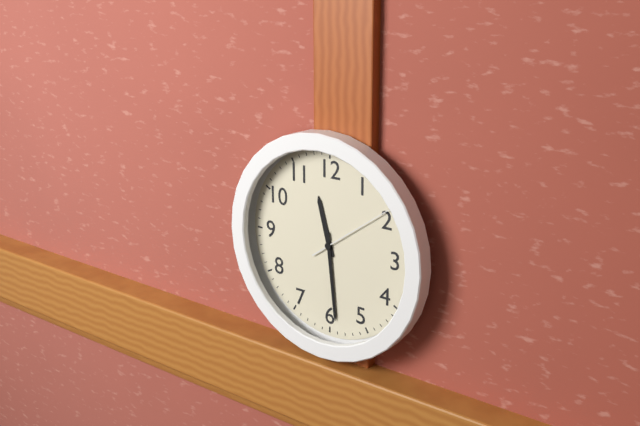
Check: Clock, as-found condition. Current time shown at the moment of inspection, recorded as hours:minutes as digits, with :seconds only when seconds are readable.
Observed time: 11:29:09
